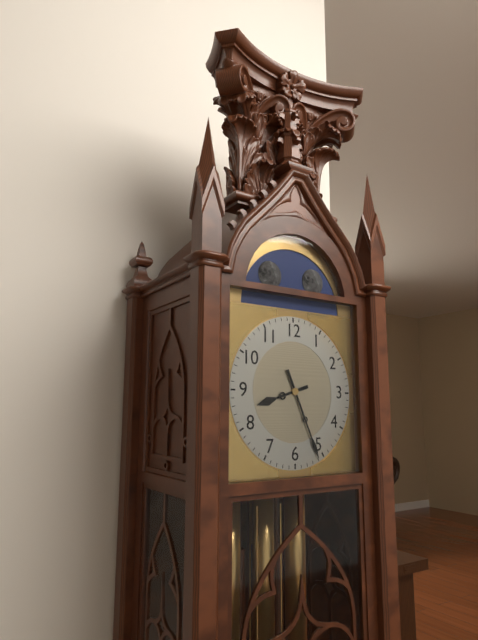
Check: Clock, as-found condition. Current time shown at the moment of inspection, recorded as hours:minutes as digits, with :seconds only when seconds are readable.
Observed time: 8:26
